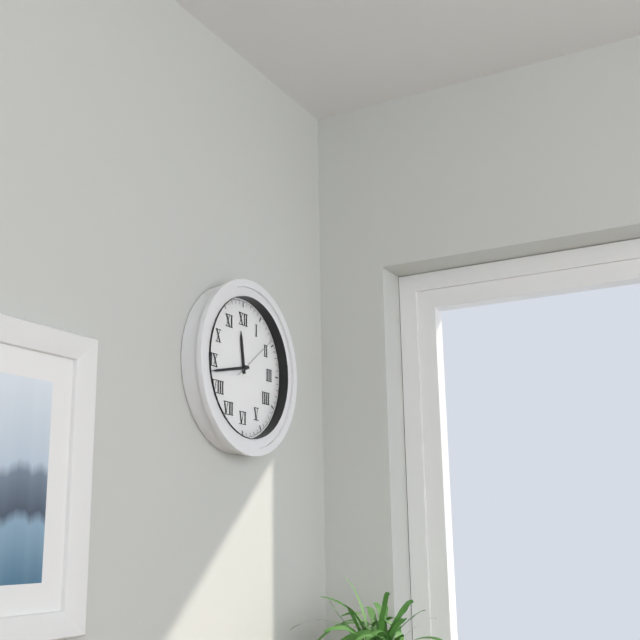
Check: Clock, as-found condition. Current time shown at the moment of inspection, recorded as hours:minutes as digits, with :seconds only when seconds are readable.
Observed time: 11:43:09
